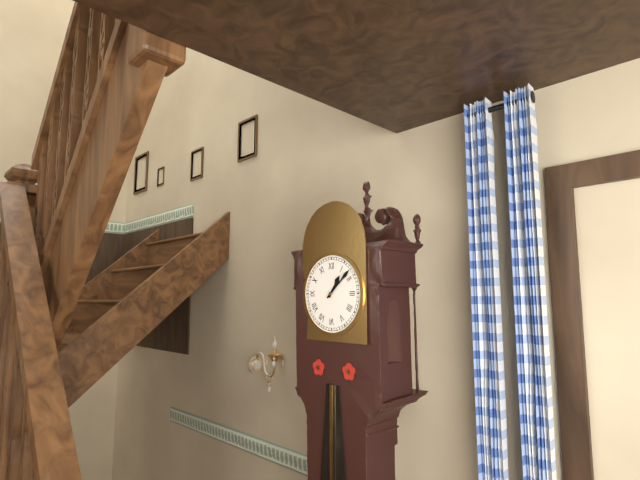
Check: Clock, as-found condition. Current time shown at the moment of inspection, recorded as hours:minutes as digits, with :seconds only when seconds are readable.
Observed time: 1:08
